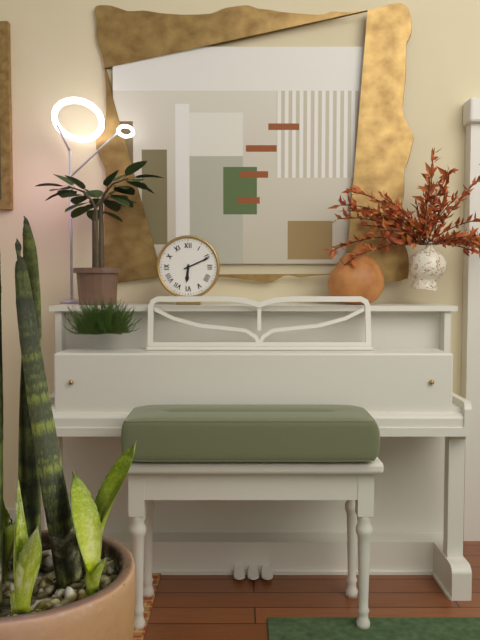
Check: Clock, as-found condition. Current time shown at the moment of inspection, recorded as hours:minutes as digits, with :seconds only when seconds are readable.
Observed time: 6:11
